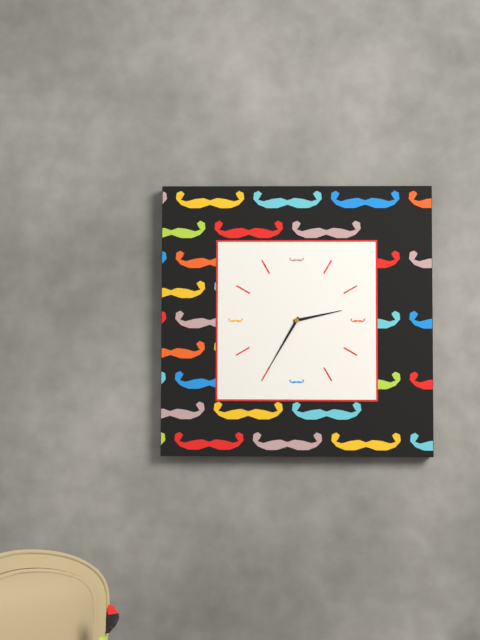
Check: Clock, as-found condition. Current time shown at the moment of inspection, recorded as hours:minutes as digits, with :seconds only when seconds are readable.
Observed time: 2:35
